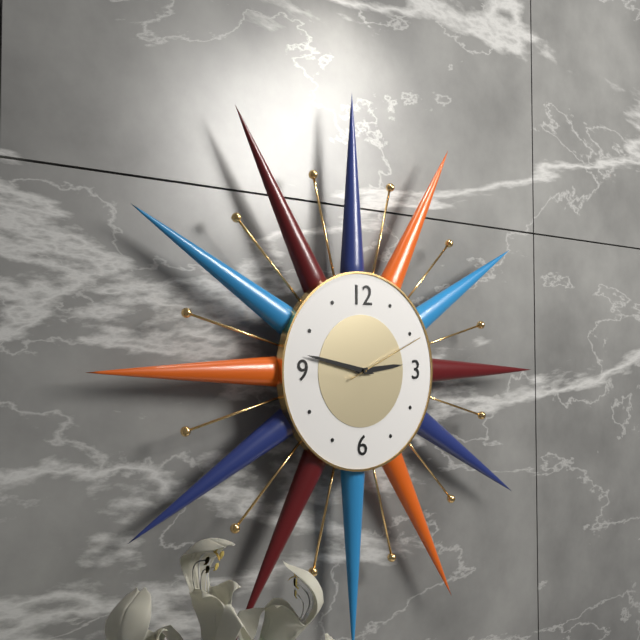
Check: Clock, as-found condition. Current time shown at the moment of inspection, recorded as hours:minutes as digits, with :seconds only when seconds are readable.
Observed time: 2:47:11
